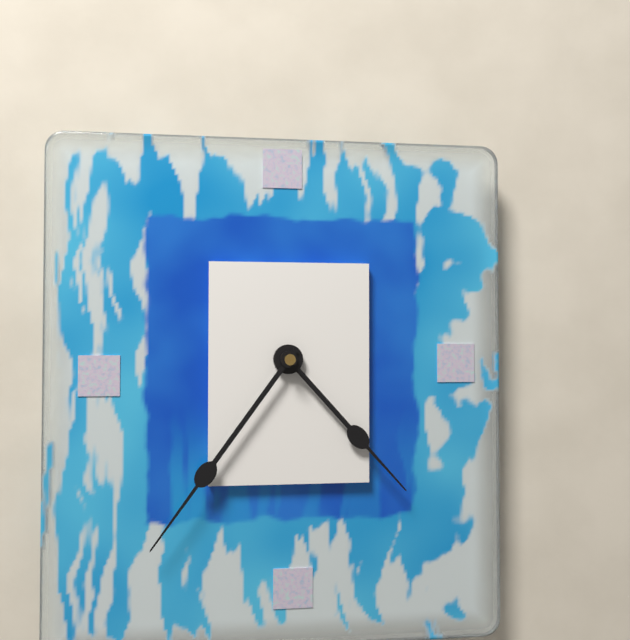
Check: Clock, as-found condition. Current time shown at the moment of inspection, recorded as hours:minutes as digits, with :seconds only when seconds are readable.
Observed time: 4:36
